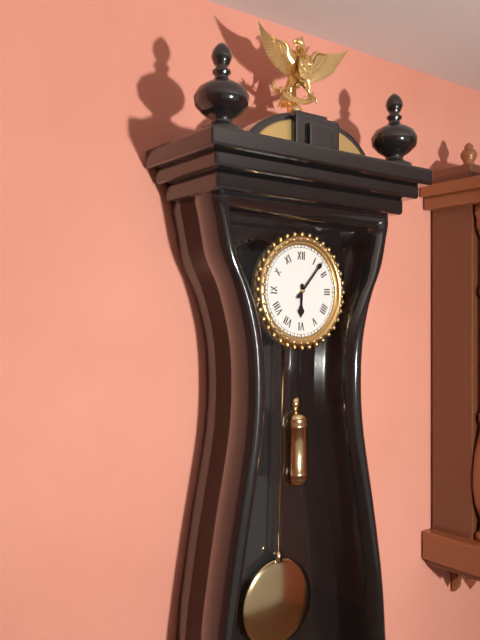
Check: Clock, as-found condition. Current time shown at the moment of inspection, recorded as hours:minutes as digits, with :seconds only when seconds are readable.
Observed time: 6:07
